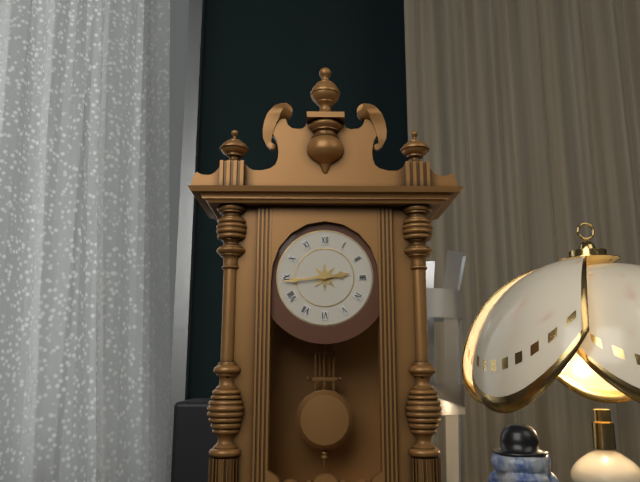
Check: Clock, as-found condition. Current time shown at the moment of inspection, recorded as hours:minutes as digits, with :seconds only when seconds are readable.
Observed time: 2:44
